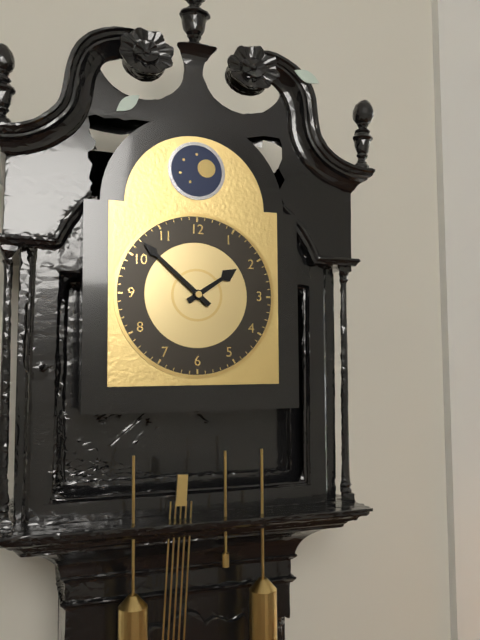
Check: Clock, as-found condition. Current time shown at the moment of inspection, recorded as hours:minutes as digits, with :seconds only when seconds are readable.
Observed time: 1:52
